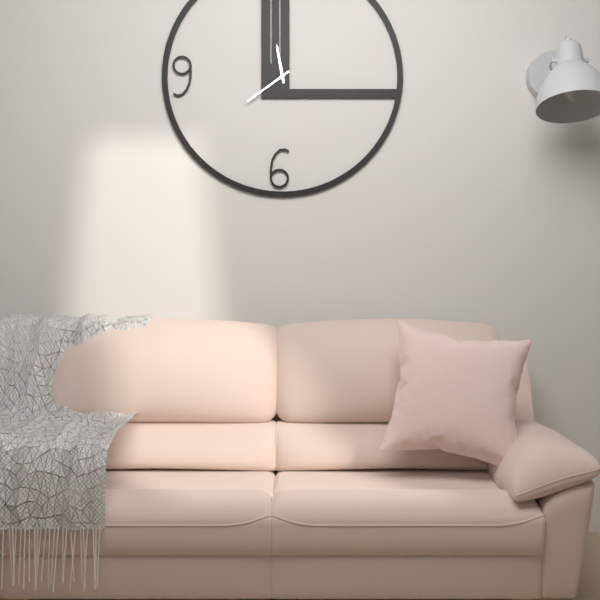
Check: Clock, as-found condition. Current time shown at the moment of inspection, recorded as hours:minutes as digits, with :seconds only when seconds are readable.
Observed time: 11:39
